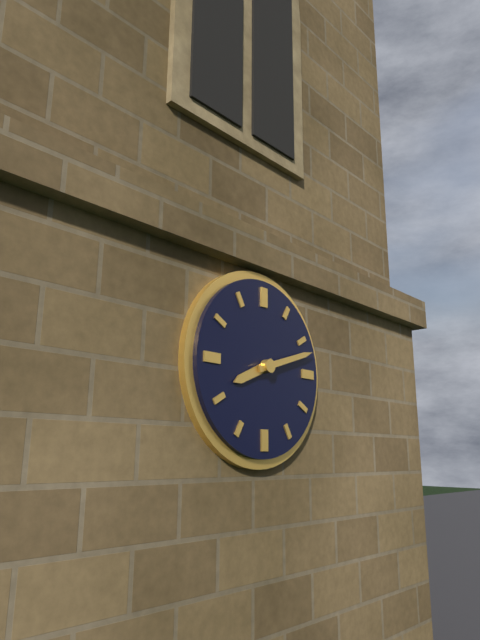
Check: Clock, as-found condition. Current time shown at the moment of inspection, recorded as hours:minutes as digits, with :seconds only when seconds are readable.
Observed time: 8:12
